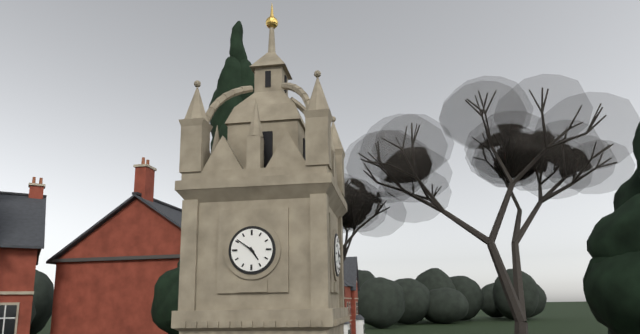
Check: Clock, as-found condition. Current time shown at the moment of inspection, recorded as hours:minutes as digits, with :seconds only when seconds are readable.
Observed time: 4:51
